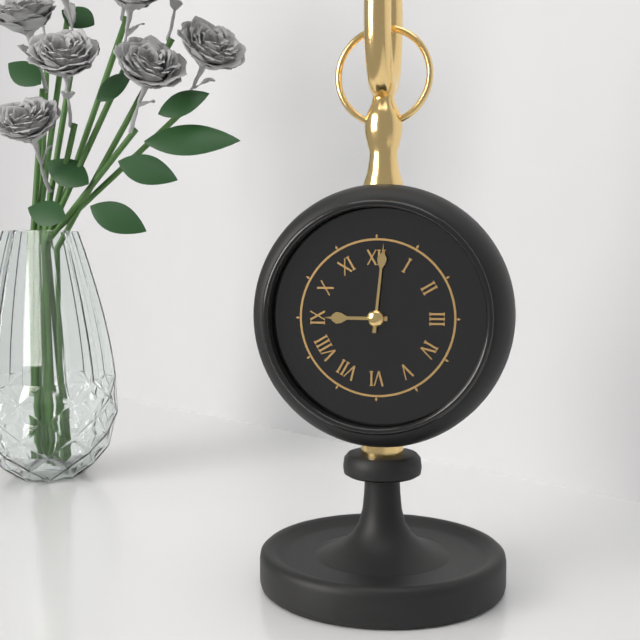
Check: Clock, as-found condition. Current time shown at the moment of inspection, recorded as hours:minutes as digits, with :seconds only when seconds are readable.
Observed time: 9:01
